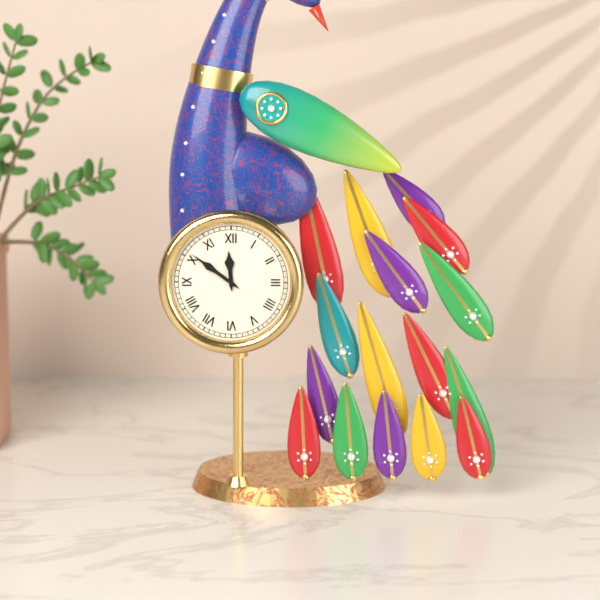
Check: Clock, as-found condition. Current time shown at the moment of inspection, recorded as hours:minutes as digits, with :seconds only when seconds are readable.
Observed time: 11:51
